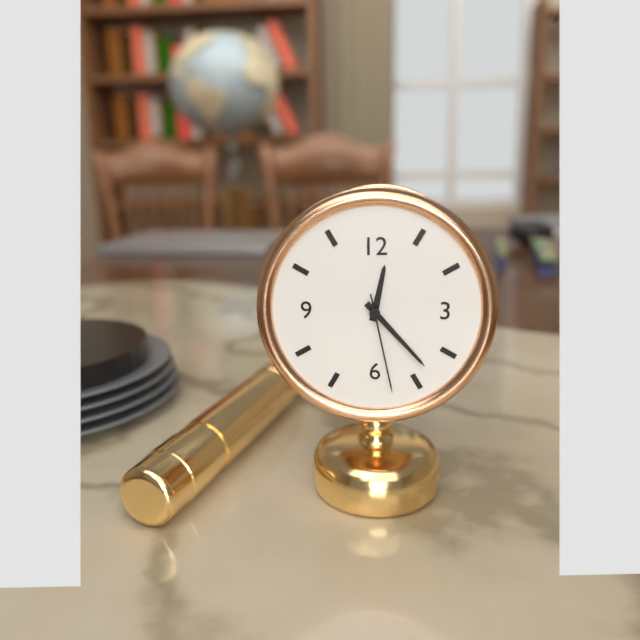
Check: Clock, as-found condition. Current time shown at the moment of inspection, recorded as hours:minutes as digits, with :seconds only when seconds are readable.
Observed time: 12:23:28
